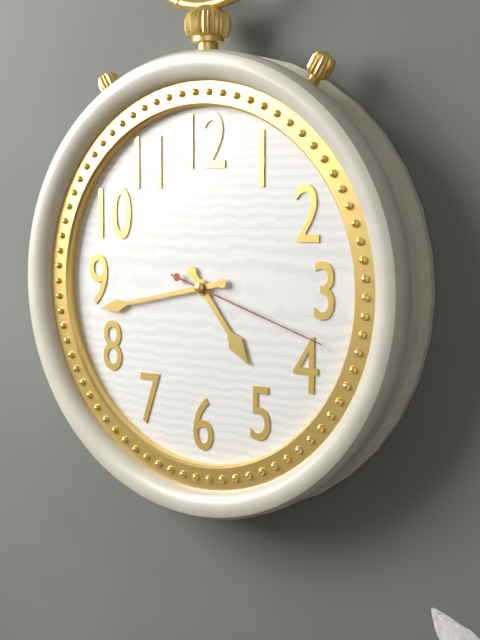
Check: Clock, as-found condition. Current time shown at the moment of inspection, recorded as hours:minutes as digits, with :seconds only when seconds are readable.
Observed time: 4:43:18
